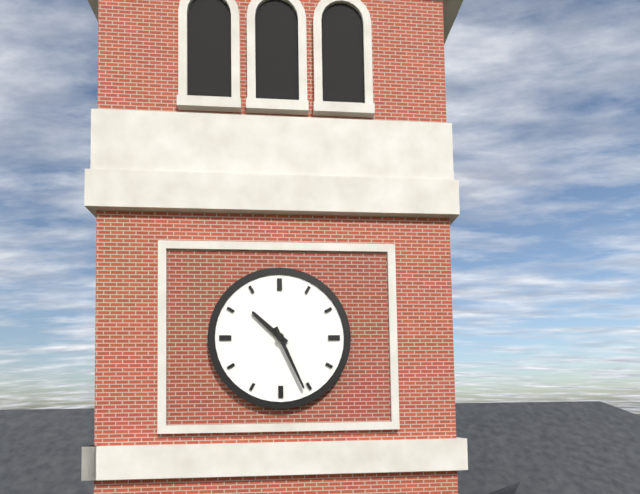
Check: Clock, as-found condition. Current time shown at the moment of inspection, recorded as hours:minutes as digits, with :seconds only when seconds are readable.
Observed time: 10:26
